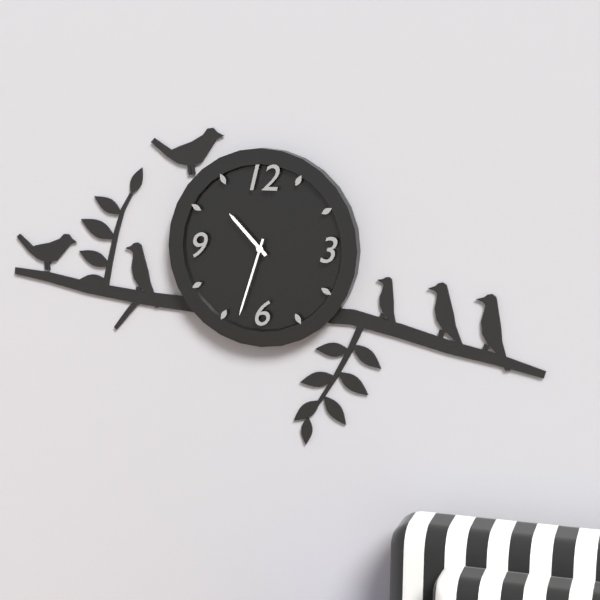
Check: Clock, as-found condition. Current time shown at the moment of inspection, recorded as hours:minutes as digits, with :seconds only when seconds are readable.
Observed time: 10:33
